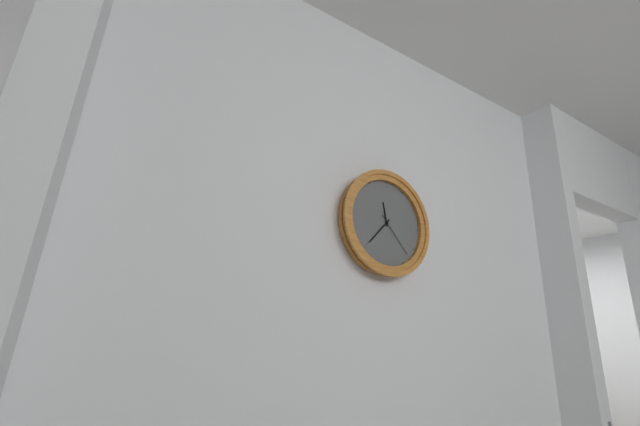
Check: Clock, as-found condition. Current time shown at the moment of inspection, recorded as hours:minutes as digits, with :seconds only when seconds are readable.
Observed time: 11:37
